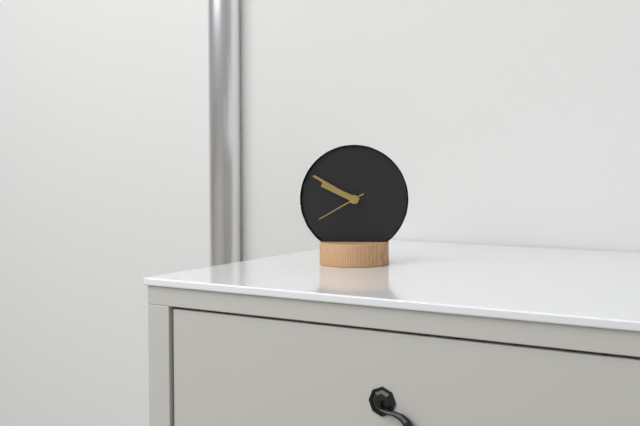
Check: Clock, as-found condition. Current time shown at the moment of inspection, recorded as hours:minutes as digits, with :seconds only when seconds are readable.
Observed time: 9:50:40
